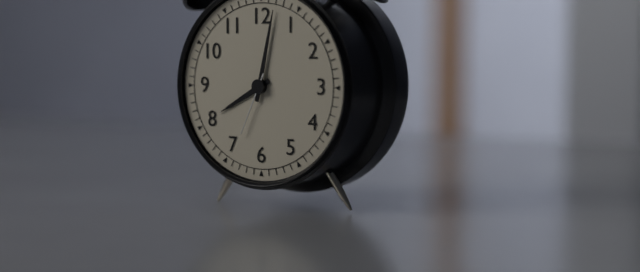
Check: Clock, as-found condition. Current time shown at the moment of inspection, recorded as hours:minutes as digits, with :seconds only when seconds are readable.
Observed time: 8:02:34
